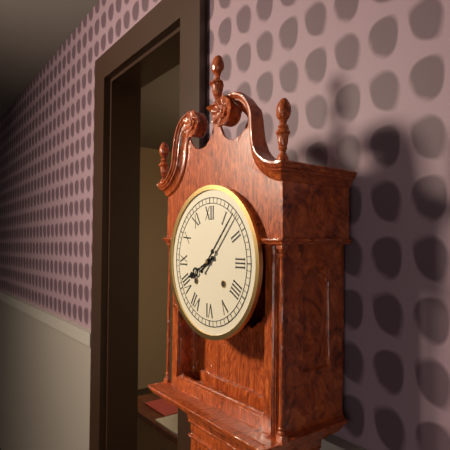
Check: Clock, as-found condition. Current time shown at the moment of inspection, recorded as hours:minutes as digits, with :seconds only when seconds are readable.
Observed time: 8:07
